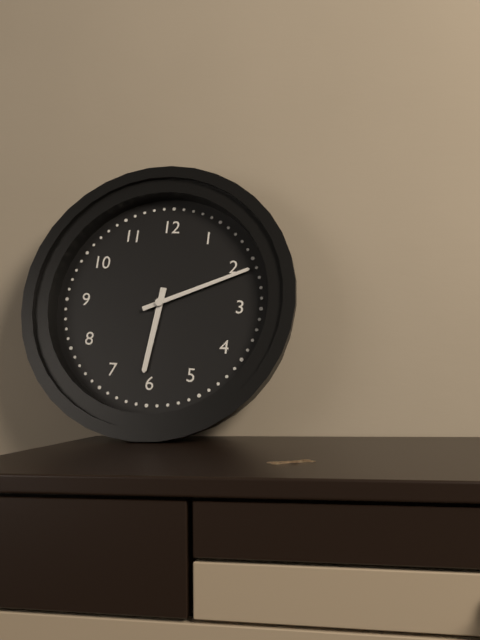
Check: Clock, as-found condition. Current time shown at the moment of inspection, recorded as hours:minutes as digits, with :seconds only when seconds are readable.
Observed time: 6:11
